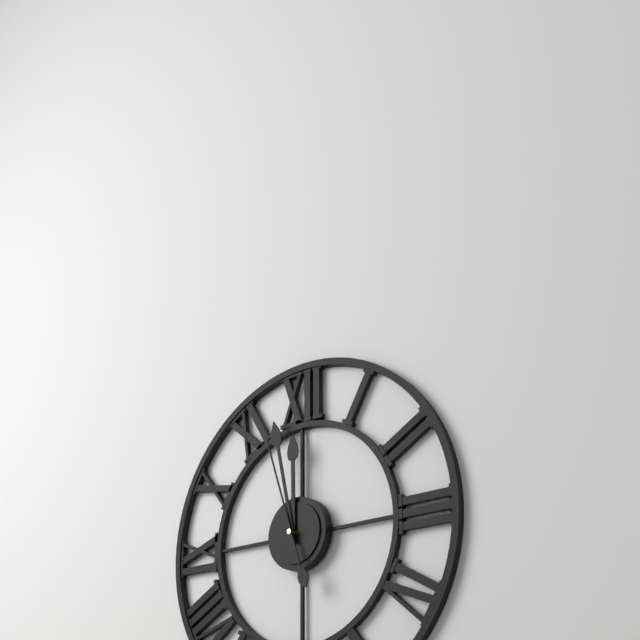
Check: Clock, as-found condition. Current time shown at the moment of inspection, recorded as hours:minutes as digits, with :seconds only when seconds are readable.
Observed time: 11:58:57
